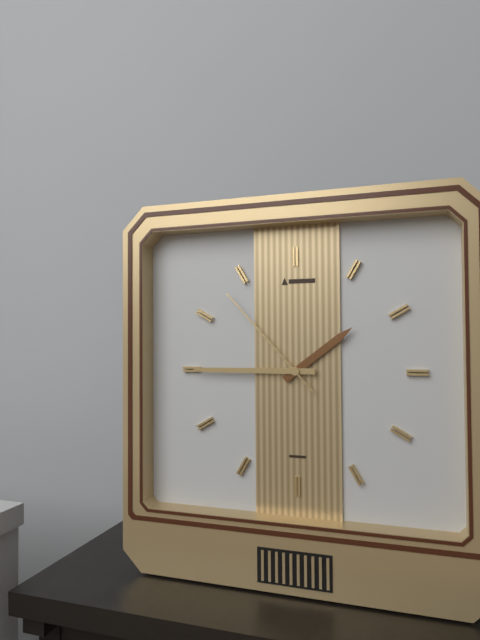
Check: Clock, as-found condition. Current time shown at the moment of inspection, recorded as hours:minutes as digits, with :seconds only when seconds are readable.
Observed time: 1:45:53
